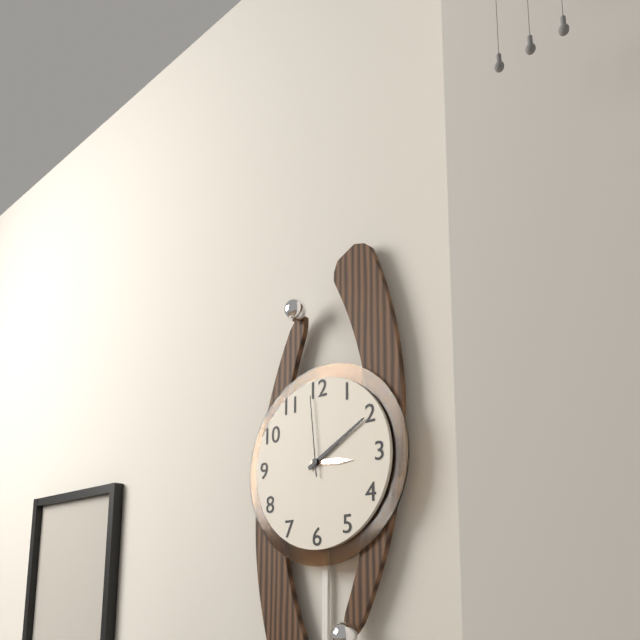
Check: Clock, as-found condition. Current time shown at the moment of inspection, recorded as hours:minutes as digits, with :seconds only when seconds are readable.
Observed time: 3:10:59
